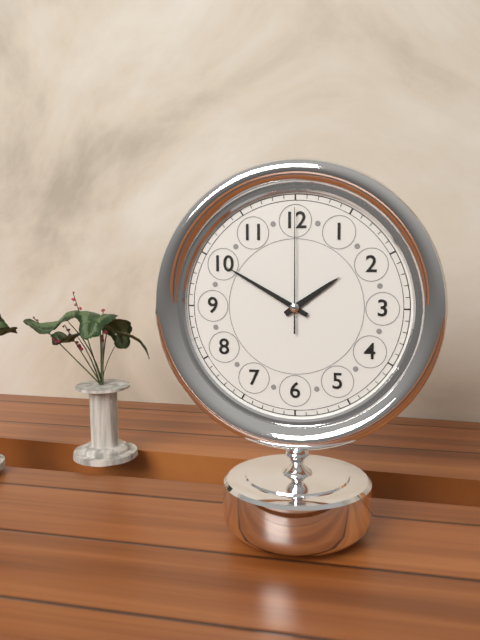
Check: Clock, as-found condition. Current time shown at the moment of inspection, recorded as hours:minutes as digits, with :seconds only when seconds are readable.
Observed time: 1:50:00
